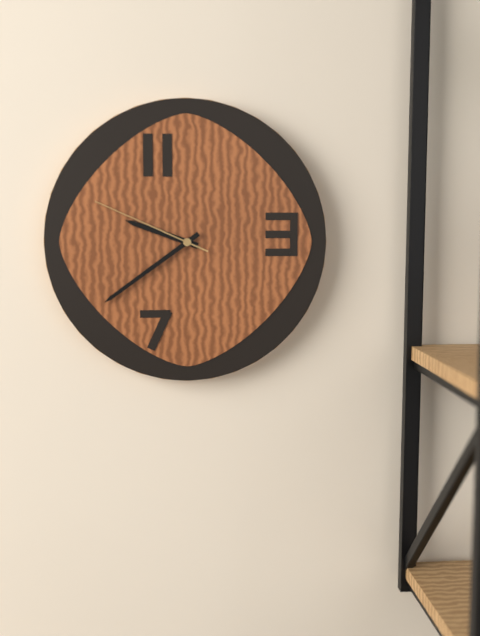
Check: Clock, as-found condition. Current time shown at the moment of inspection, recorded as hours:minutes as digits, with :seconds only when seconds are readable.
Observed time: 9:39:49
